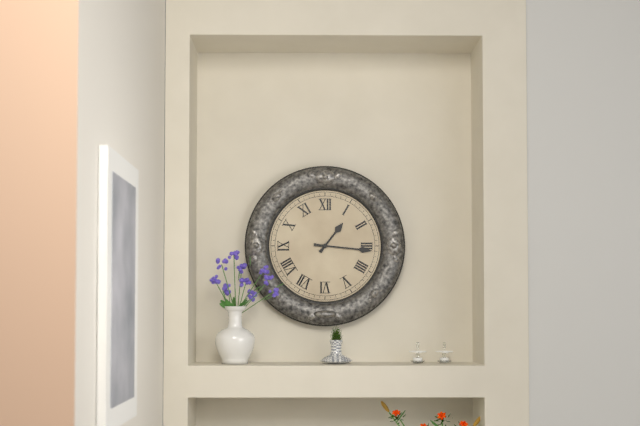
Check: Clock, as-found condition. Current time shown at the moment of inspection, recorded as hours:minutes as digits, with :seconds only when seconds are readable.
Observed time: 1:16
